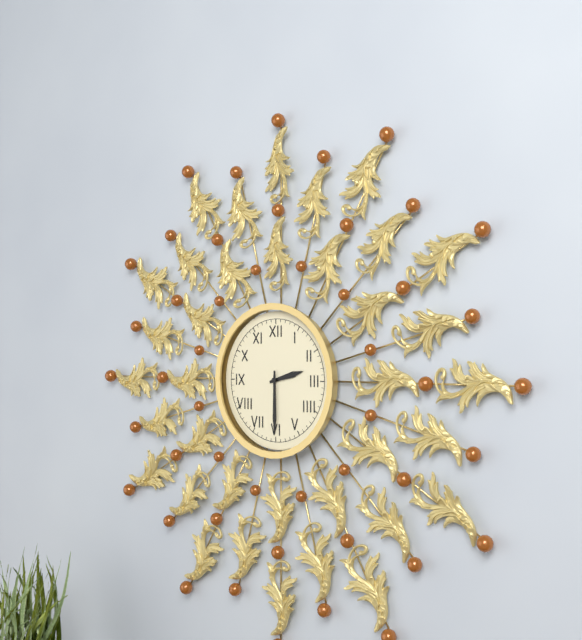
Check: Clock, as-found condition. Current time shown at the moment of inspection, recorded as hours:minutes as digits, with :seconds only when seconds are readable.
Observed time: 2:30
